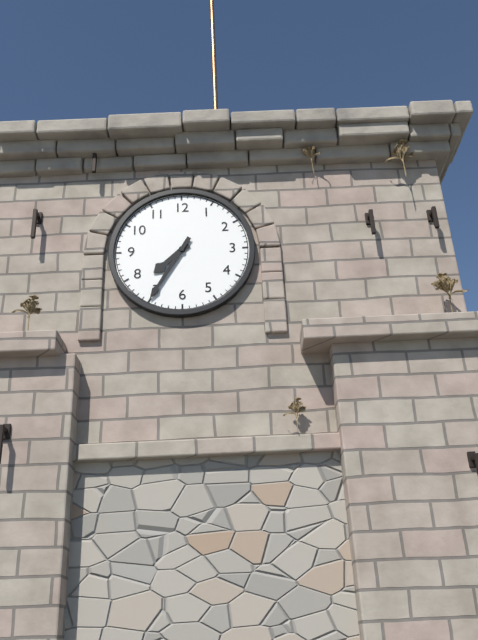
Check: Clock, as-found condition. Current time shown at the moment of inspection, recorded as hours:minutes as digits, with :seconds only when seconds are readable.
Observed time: 7:35
